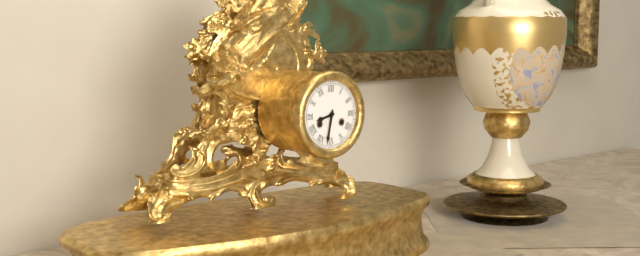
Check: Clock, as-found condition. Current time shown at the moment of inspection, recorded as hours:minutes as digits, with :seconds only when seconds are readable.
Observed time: 8:32
